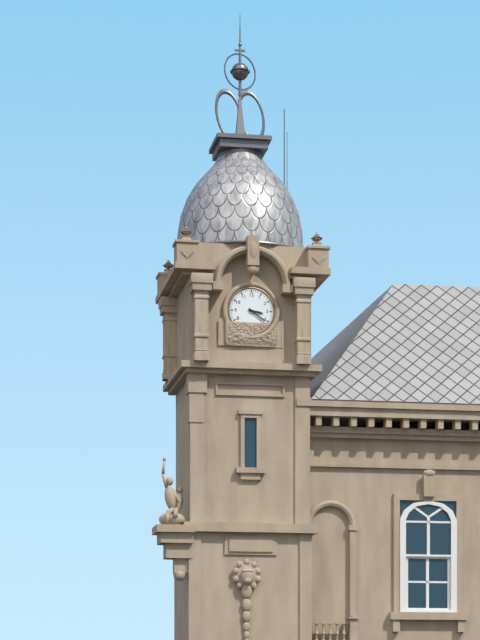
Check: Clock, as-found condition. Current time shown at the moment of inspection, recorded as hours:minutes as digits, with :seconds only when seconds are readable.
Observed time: 3:21
